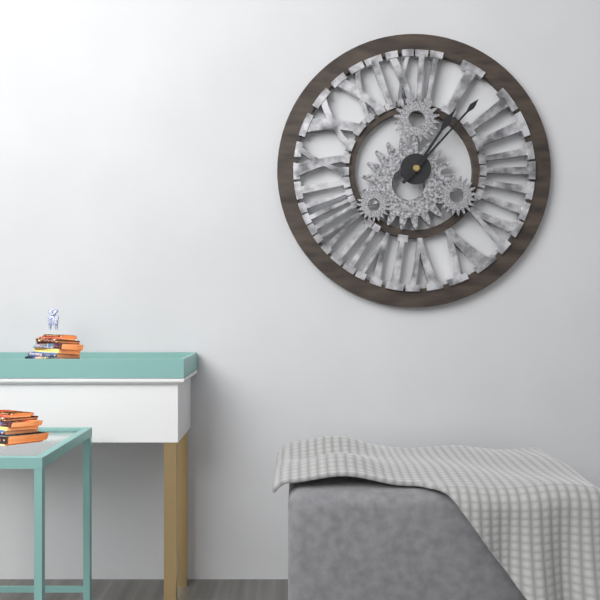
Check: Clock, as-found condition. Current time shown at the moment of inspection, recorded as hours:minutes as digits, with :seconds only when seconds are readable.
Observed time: 1:07
